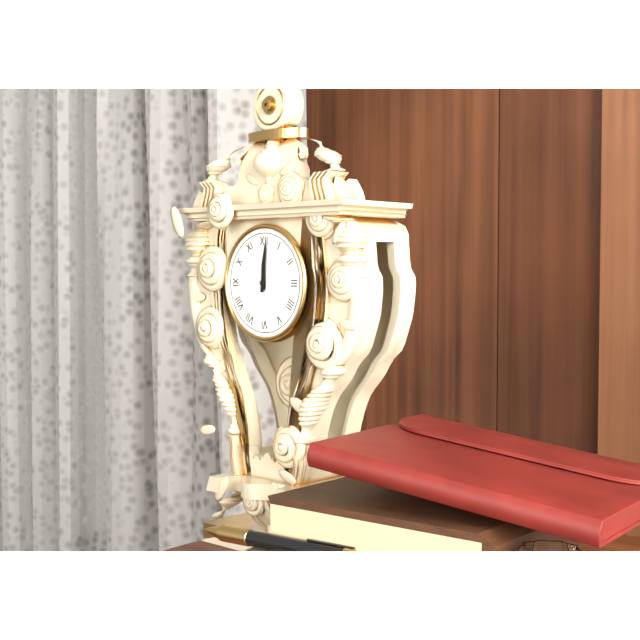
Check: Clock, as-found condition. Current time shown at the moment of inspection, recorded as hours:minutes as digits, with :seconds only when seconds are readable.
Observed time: 12:01
